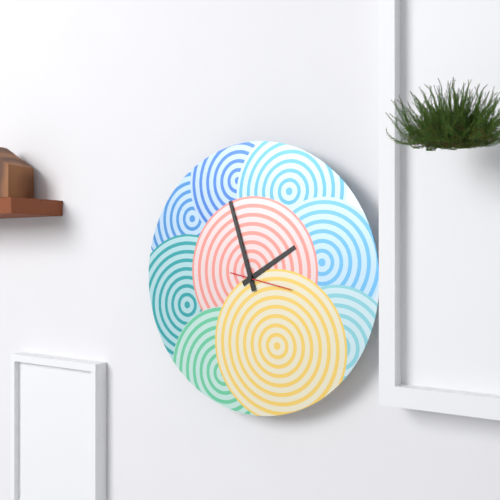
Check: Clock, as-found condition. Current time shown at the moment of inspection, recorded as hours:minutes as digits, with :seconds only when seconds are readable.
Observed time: 1:57:17
